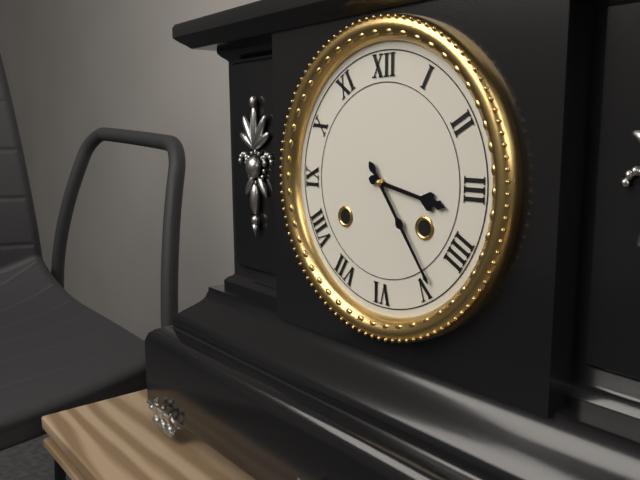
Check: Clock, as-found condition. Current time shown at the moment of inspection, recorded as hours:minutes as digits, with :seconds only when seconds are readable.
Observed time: 3:24
